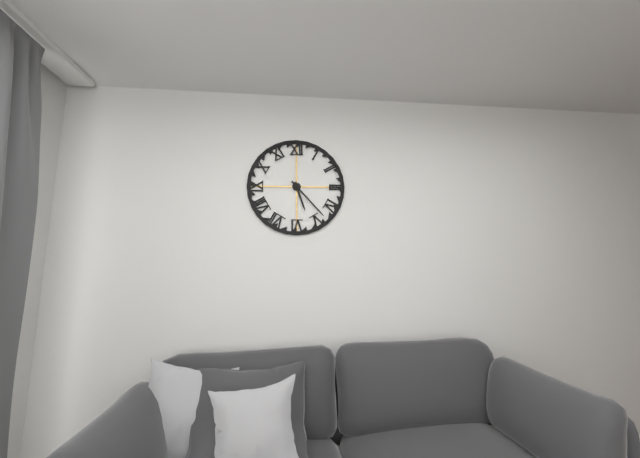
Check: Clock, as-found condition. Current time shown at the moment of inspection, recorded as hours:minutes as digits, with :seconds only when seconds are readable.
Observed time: 5:23
